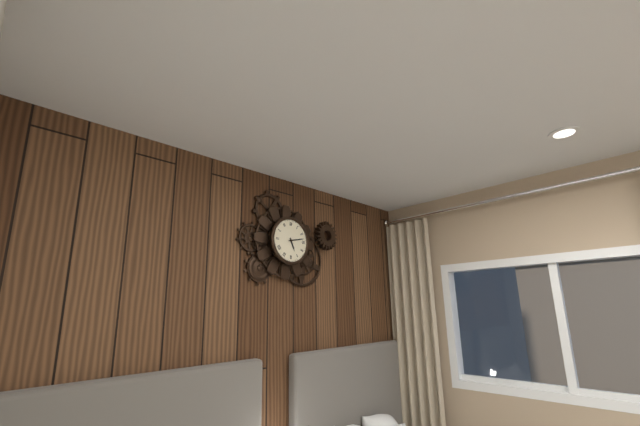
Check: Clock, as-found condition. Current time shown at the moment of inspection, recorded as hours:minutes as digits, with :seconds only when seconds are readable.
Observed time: 5:13
